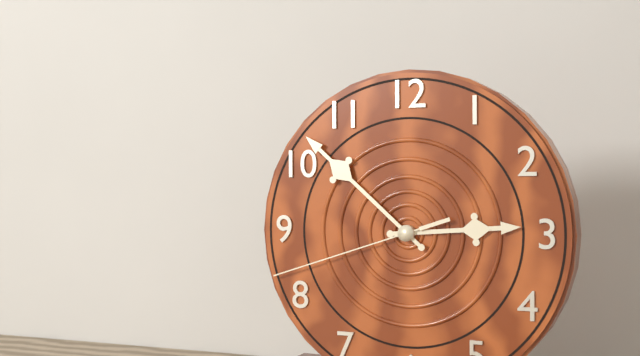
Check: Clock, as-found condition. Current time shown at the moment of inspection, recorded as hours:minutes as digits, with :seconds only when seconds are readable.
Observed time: 2:52:42
